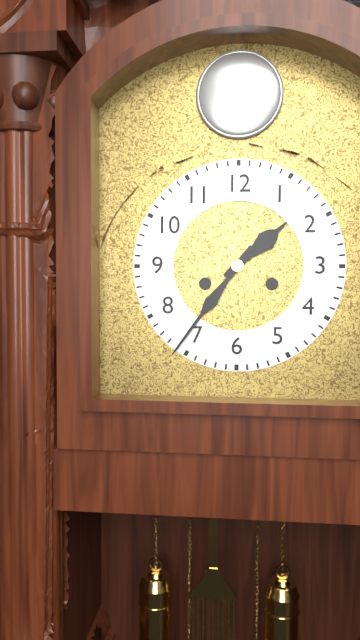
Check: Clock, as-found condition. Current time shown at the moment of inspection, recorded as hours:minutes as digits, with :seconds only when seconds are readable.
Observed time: 1:36
